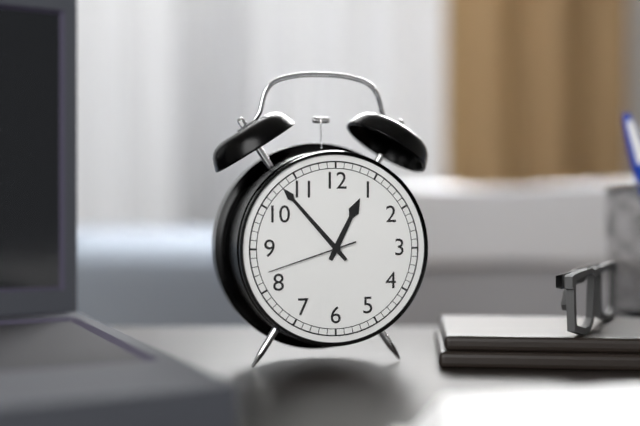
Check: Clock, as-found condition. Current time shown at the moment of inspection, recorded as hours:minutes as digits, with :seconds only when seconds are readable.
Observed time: 12:53:42
